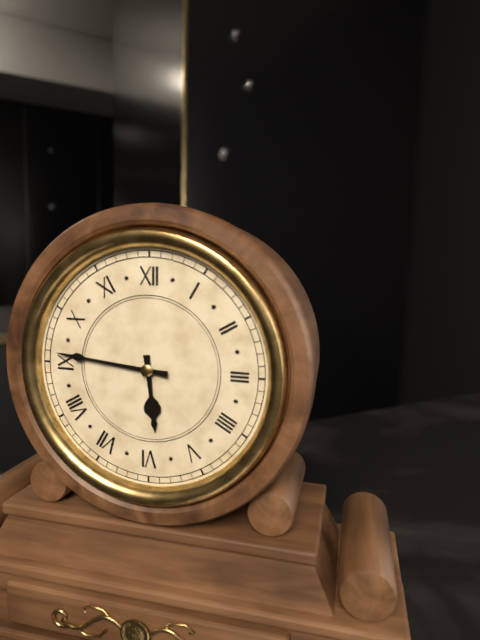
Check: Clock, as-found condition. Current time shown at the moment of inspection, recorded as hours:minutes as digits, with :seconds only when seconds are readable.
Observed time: 5:46
